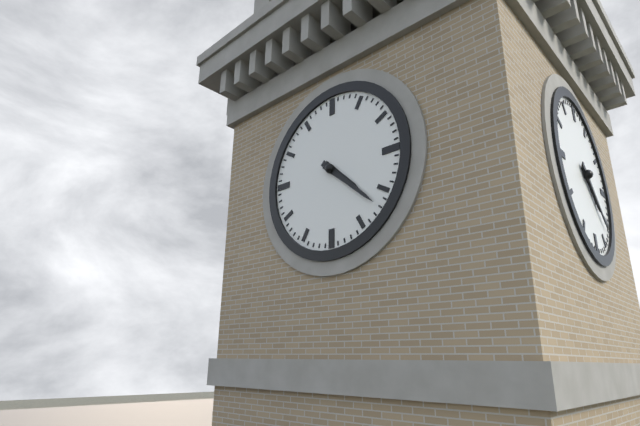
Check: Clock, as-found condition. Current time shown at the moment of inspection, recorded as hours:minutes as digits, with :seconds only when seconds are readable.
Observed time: 4:22
